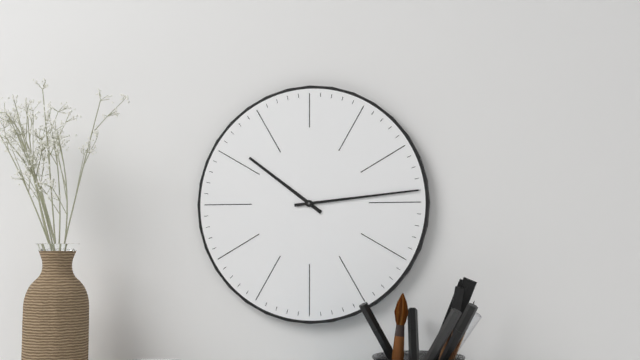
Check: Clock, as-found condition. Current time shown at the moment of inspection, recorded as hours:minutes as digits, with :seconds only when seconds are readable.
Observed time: 10:14
